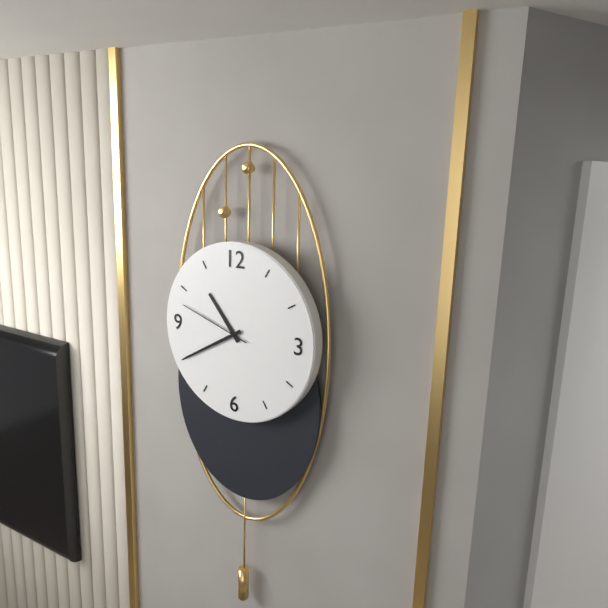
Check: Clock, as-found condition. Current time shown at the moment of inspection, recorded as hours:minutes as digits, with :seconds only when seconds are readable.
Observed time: 10:40:48
